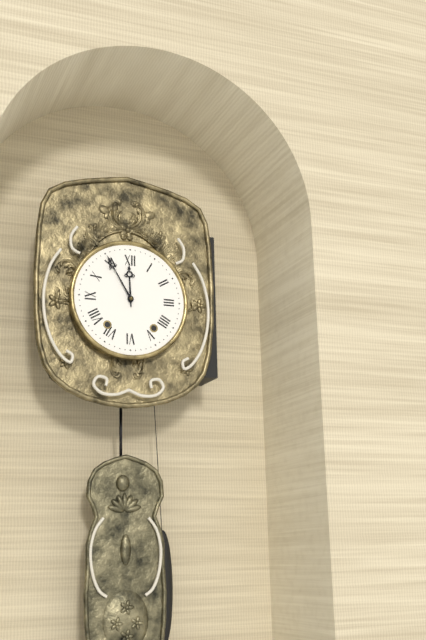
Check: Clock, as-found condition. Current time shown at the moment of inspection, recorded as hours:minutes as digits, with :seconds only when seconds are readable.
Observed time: 11:55
